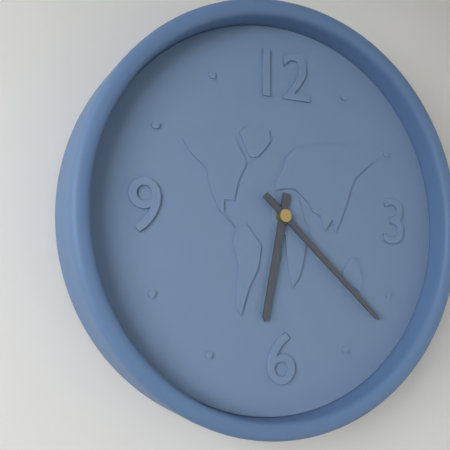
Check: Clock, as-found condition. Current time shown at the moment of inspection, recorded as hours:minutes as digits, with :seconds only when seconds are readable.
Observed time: 6:22
